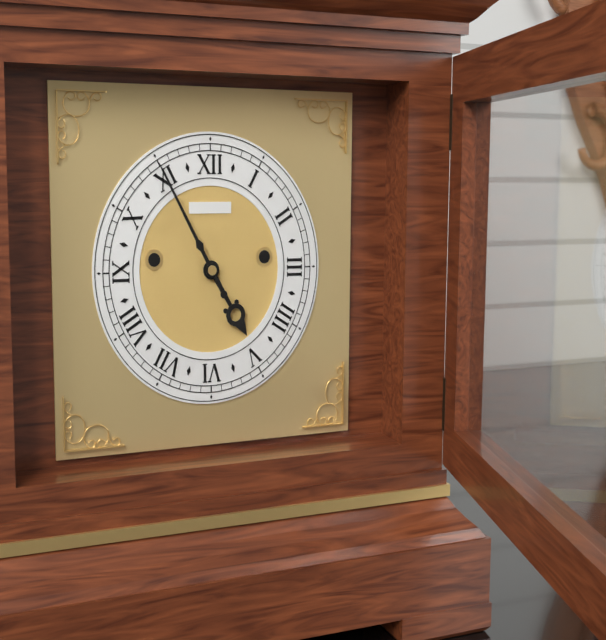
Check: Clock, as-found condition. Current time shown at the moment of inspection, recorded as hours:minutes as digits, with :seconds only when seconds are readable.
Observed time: 4:55
